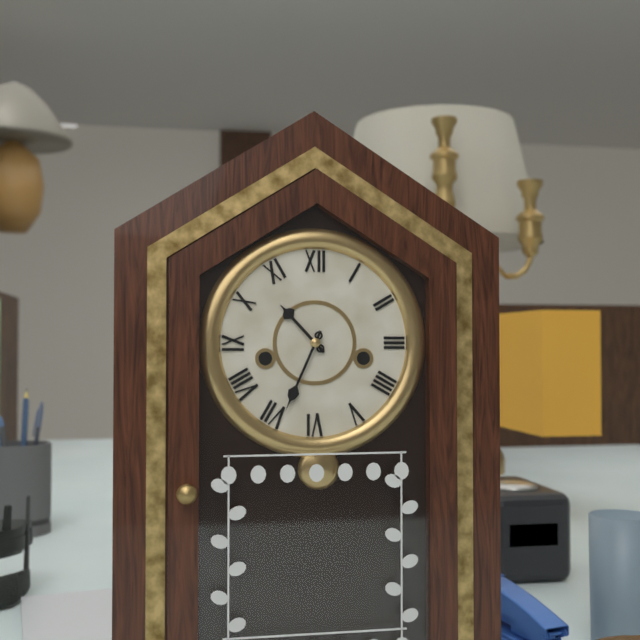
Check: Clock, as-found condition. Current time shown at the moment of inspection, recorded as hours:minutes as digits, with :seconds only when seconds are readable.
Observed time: 10:34
